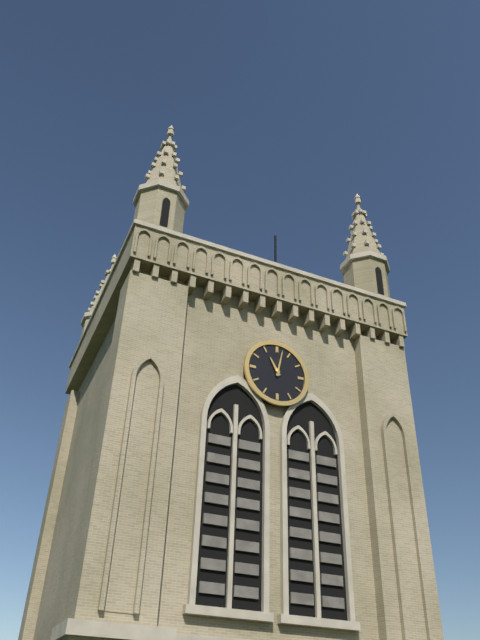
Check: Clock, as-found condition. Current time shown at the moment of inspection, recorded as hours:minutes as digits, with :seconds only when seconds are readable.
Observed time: 11:02
